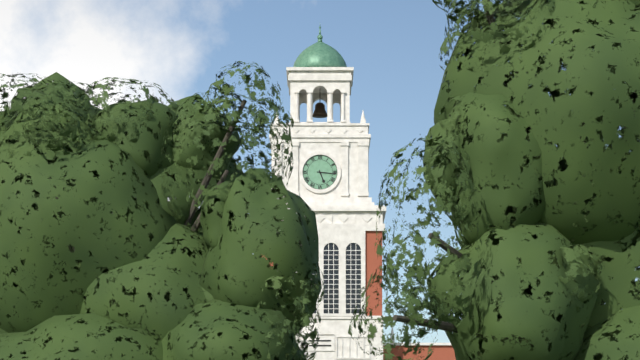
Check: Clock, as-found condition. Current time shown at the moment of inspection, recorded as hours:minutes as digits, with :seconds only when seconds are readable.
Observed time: 5:16
